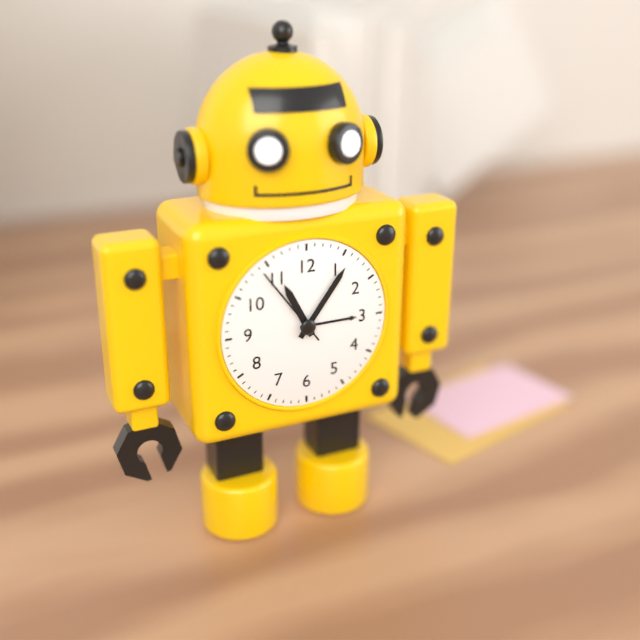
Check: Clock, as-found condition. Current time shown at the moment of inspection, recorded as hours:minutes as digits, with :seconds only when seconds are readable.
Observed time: 11:06:54
